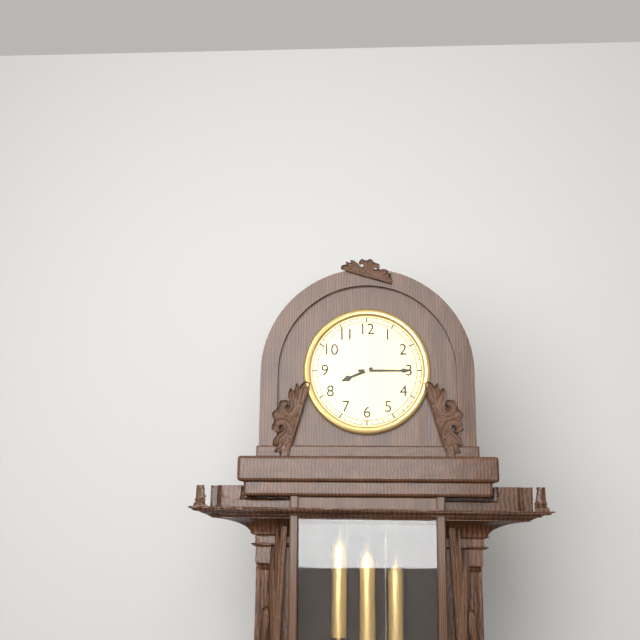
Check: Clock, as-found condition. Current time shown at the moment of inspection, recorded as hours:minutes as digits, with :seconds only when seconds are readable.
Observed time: 8:15
